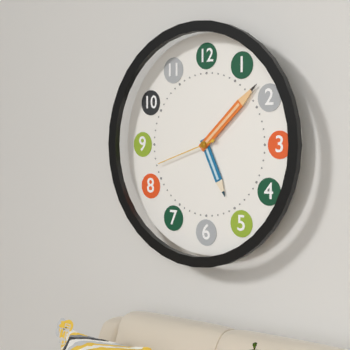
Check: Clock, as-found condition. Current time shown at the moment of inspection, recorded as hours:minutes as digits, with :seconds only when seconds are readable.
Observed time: 5:08:42
